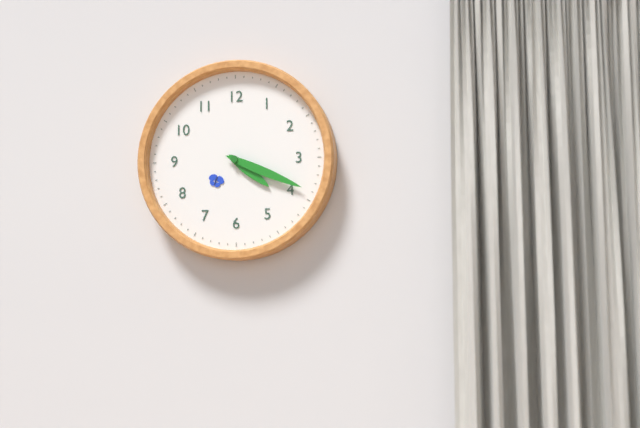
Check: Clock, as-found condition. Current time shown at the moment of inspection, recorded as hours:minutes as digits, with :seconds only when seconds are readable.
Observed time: 4:19
